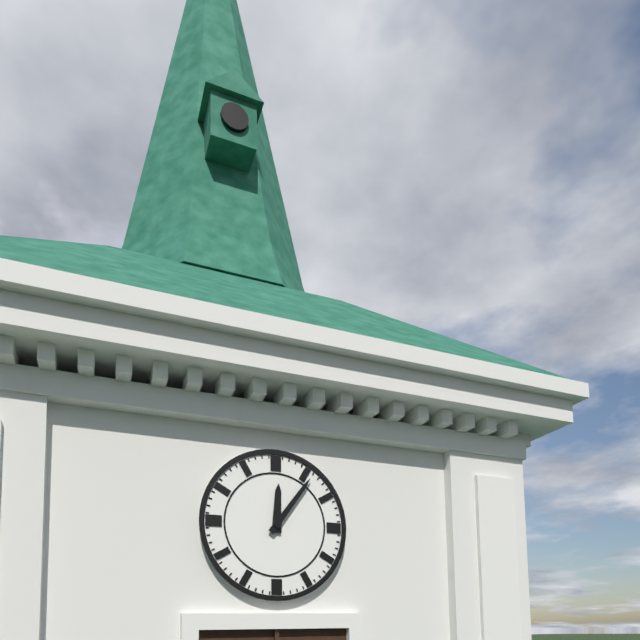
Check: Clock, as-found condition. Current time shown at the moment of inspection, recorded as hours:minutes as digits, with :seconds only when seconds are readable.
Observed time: 12:06
